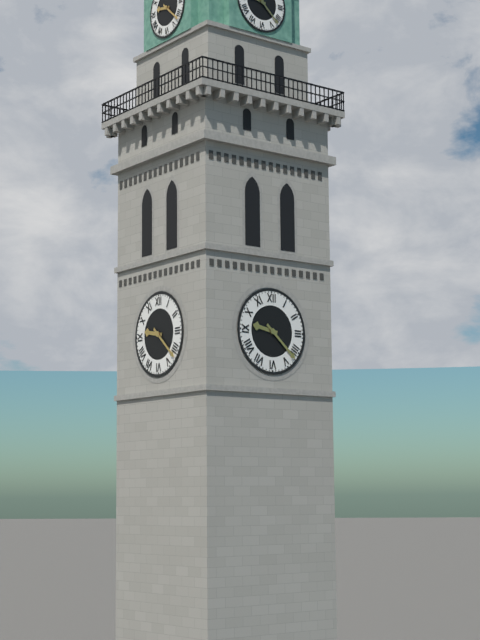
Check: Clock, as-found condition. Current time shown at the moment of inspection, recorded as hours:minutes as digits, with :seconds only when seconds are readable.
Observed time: 9:22
